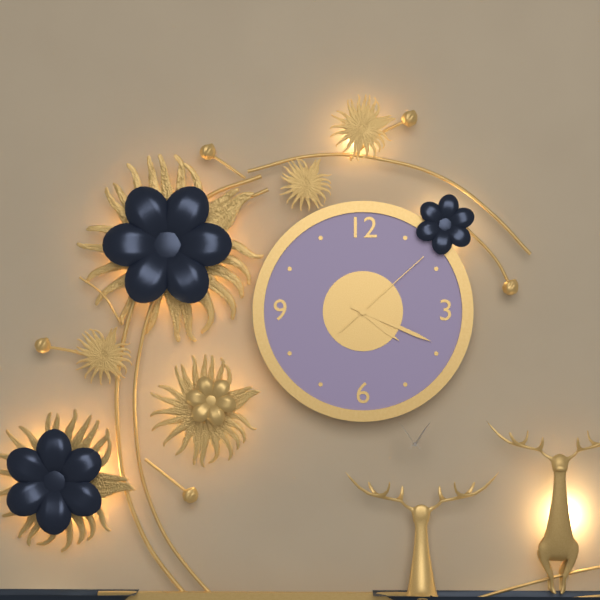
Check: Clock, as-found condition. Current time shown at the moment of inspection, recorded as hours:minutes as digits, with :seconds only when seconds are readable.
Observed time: 4:19:08
